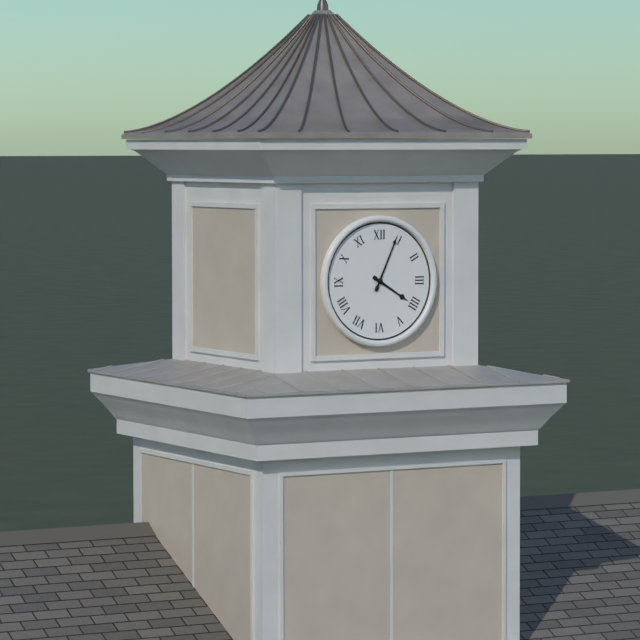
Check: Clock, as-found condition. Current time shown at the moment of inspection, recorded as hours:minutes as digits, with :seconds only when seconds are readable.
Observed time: 4:04
